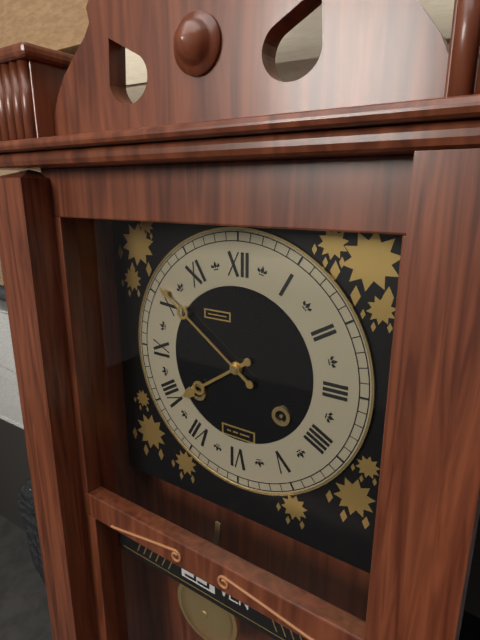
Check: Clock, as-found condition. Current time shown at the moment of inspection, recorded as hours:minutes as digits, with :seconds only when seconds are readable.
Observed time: 7:51
